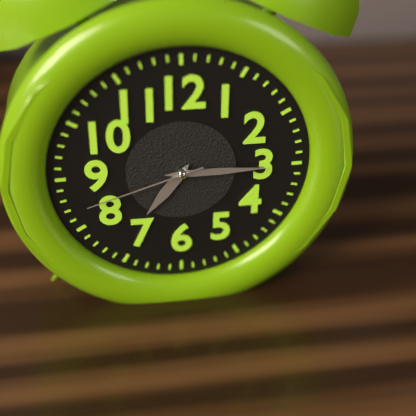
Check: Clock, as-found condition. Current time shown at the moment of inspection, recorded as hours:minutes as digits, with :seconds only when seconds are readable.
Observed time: 7:15:42
